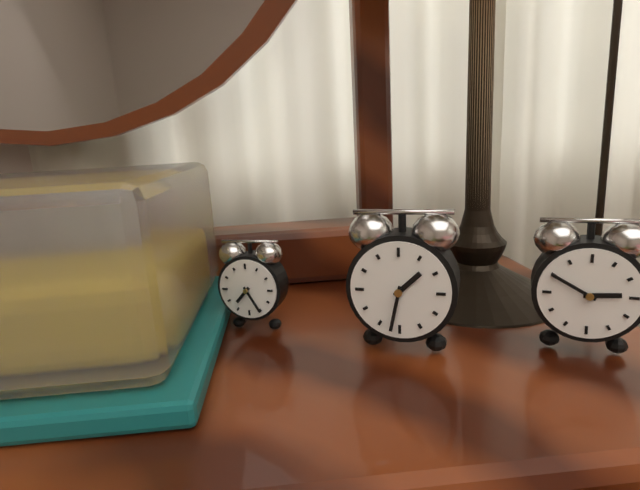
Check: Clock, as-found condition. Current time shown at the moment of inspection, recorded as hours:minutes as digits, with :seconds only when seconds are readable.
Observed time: 1:32
